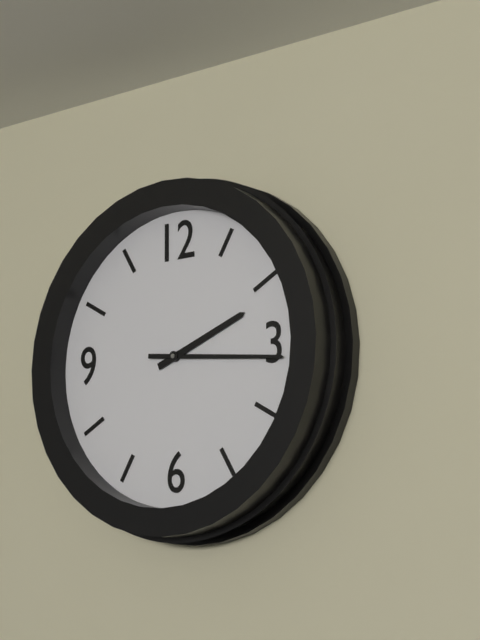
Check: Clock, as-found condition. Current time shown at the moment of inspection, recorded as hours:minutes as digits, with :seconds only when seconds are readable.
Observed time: 2:16
